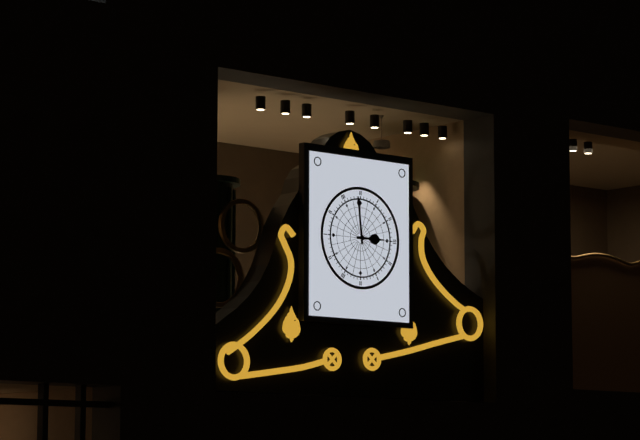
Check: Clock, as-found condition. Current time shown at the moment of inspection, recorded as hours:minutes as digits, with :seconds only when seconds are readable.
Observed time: 2:59
